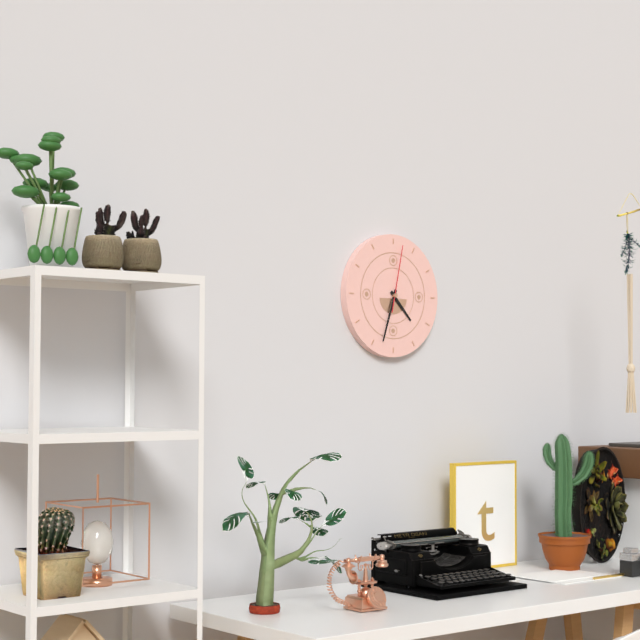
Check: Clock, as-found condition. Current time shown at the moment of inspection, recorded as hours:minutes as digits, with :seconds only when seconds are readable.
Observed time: 4:33:02
